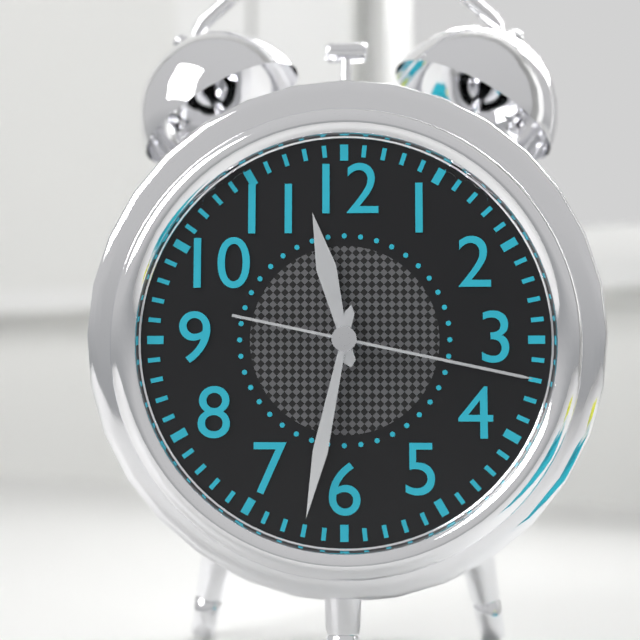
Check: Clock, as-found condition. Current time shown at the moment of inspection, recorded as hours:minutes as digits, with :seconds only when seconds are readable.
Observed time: 11:32:17
